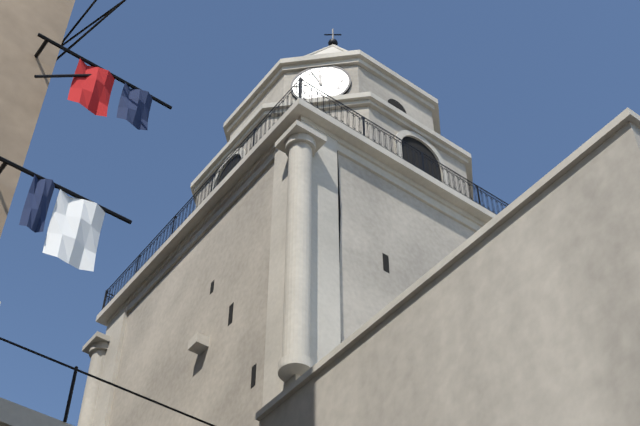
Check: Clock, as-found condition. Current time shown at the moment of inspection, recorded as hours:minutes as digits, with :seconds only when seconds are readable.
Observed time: 11:56
